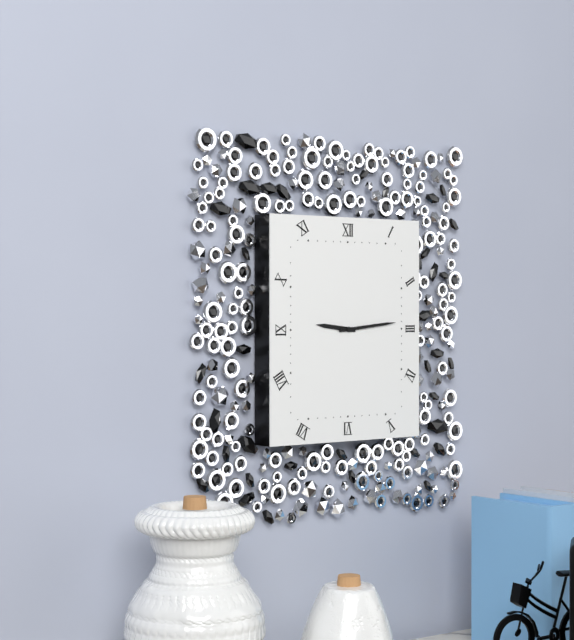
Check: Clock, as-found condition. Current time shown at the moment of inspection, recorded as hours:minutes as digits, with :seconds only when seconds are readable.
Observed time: 9:14
